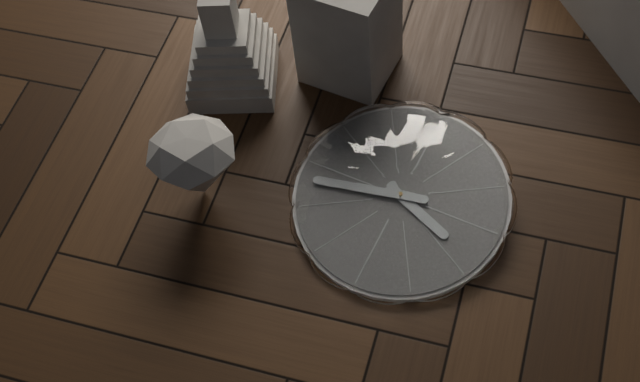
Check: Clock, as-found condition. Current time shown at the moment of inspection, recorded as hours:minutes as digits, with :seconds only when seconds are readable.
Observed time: 3:43
